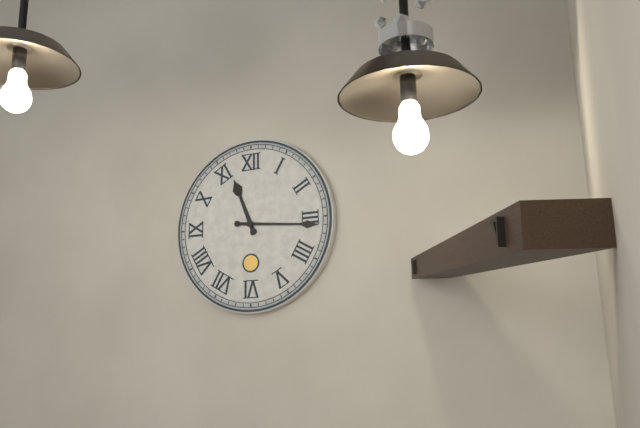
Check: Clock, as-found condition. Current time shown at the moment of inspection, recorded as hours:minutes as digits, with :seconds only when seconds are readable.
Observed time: 11:16
